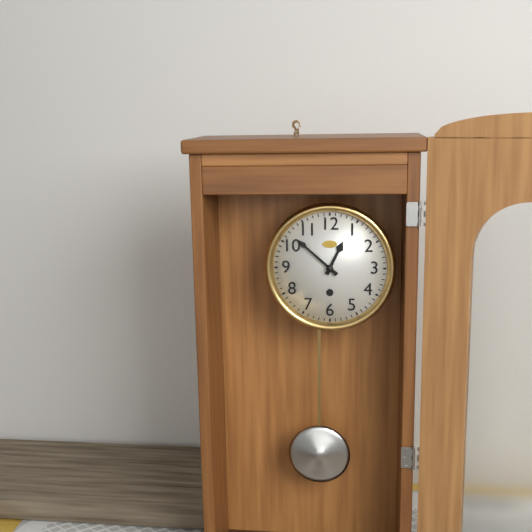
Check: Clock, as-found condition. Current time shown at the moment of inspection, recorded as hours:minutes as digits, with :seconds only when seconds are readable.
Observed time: 12:52
